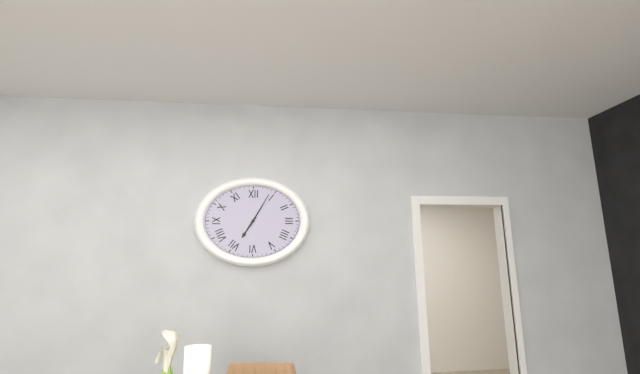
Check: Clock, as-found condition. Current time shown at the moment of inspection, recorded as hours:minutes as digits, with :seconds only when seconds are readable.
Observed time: 7:05
